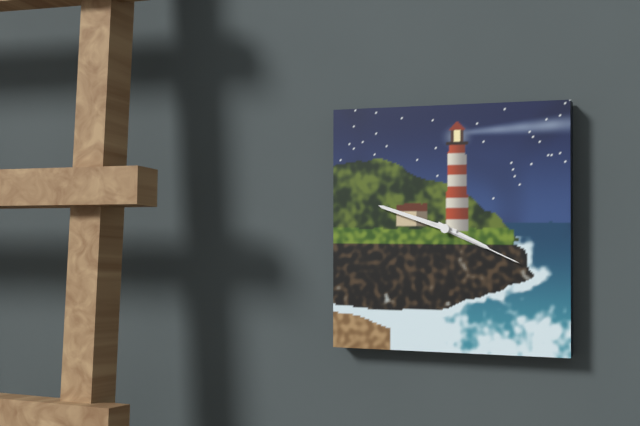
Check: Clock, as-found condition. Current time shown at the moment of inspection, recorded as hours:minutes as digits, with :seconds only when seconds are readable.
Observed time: 3:48:19
